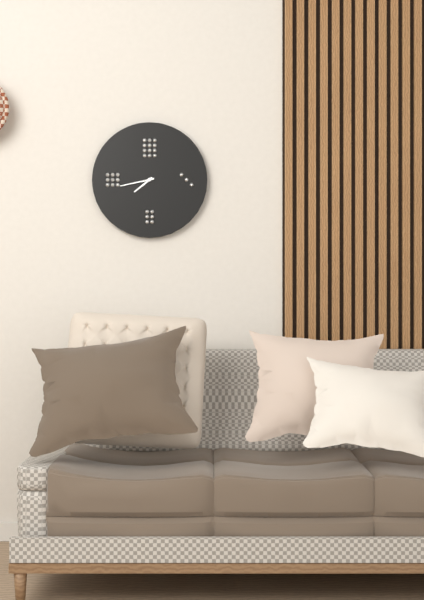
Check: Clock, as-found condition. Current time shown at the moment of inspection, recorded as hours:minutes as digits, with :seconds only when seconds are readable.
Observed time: 7:43
